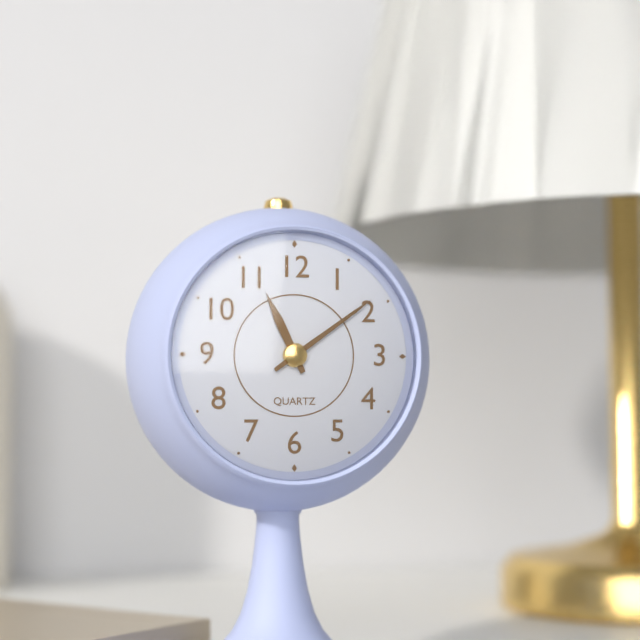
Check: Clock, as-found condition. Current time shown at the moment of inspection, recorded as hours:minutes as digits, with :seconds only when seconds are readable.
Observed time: 11:09
